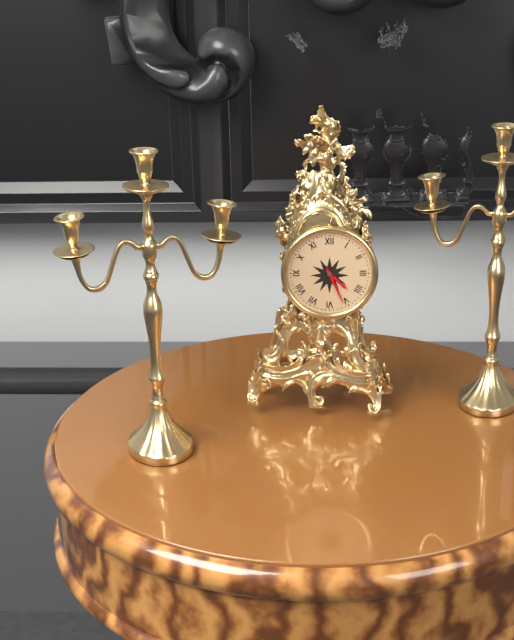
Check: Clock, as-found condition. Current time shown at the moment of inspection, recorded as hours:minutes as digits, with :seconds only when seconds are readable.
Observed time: 4:26
